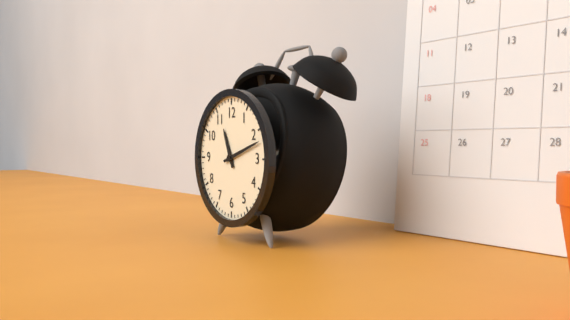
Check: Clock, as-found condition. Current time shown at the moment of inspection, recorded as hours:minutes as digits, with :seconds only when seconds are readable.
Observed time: 11:12
